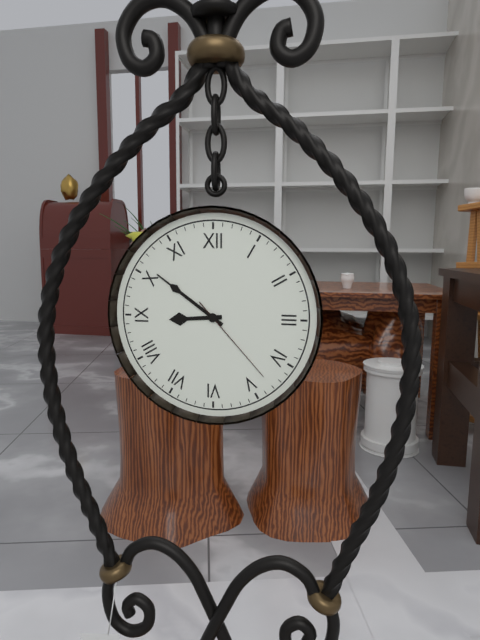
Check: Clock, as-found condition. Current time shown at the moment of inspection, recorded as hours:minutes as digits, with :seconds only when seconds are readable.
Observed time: 8:51:23
